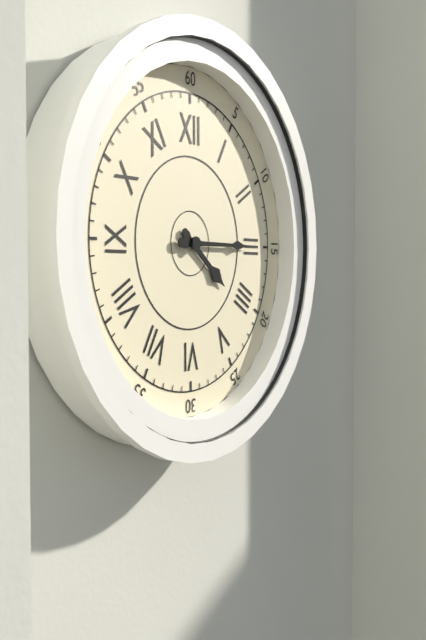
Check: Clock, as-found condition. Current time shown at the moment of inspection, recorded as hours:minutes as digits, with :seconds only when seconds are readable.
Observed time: 4:15
